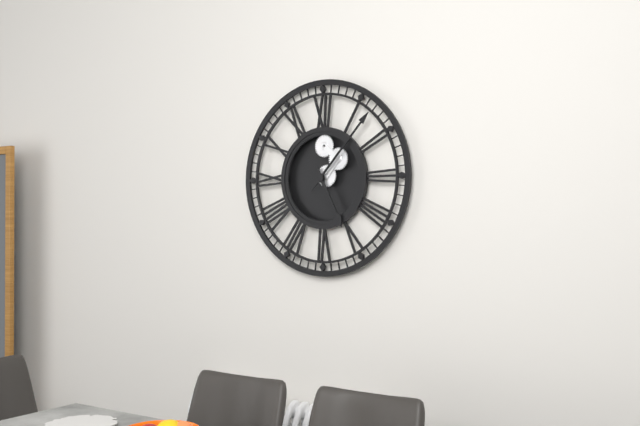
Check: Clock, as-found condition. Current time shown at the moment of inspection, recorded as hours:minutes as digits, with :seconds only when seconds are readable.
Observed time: 5:07
